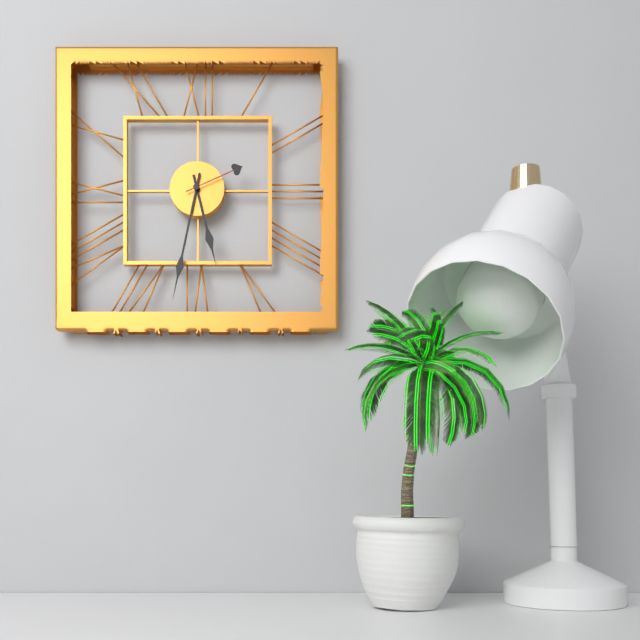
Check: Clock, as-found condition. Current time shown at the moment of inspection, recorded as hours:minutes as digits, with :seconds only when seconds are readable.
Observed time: 5:32:11
